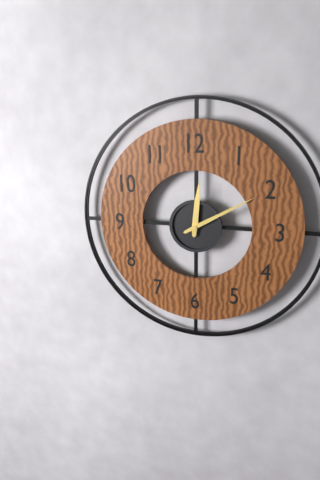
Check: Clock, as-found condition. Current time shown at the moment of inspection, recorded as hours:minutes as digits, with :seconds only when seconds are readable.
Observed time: 12:10
